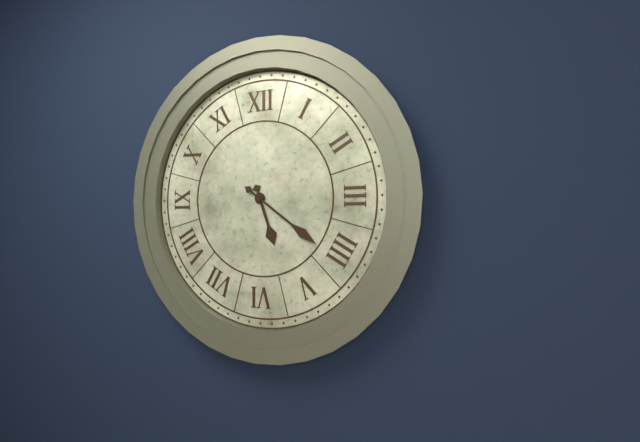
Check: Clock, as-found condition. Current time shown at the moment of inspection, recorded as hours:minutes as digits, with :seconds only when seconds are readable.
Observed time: 5:21
